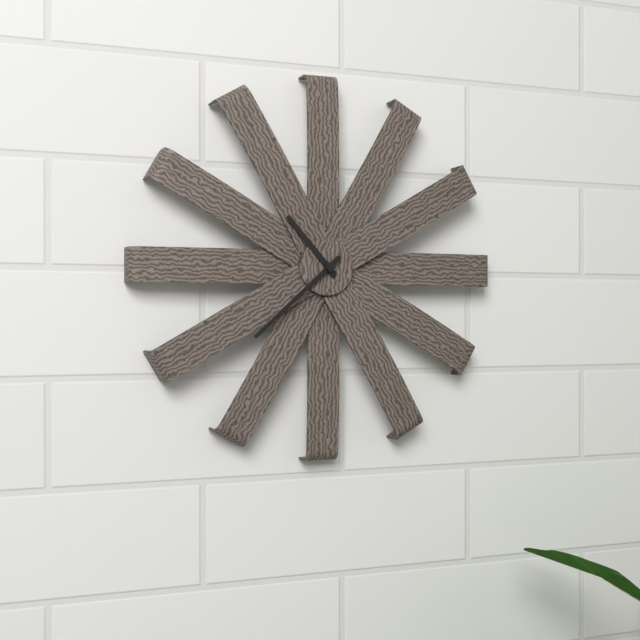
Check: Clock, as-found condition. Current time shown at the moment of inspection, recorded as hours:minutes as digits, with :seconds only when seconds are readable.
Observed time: 10:38
